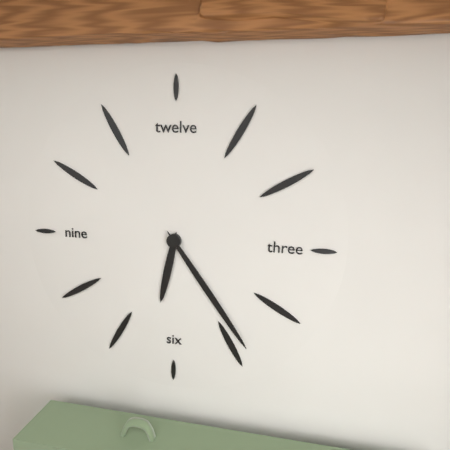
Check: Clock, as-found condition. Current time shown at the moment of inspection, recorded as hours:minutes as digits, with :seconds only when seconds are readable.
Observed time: 6:24
